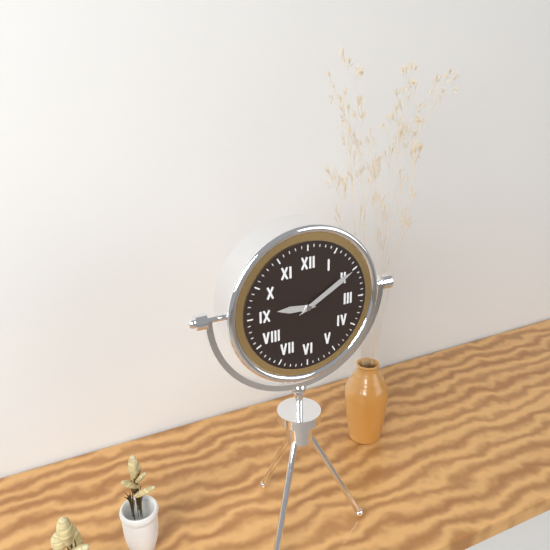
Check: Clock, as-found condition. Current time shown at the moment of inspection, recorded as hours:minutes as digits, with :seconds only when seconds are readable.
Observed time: 9:10
